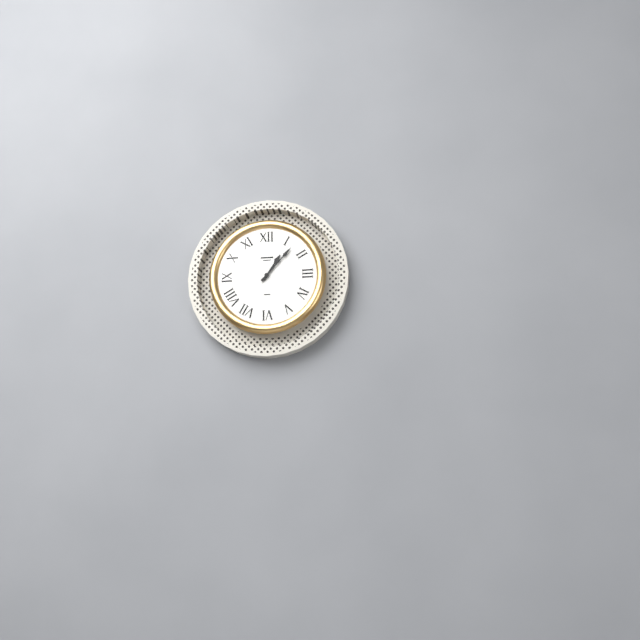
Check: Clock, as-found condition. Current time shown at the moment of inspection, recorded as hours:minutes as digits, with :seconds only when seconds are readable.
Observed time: 1:07
